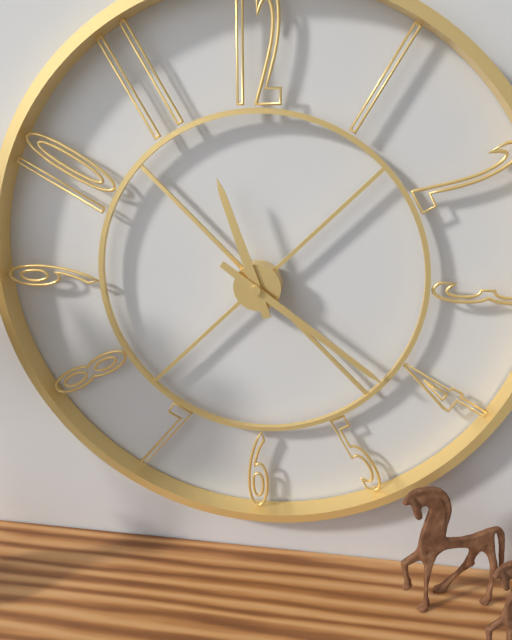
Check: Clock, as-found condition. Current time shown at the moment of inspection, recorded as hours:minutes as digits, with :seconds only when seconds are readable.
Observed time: 11:21
